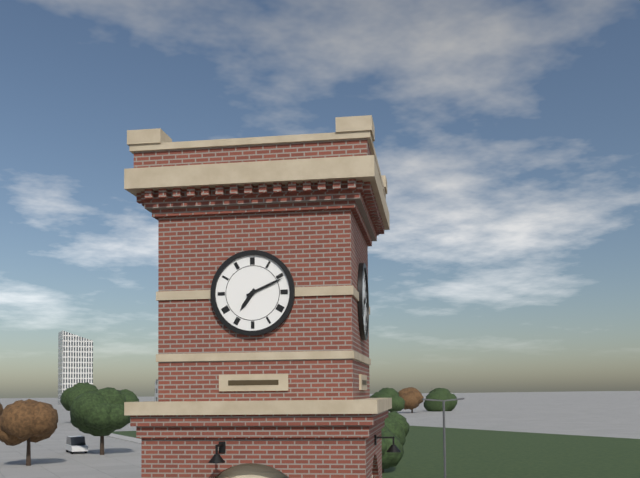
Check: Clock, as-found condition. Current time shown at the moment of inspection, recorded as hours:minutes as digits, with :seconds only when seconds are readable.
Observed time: 7:11
